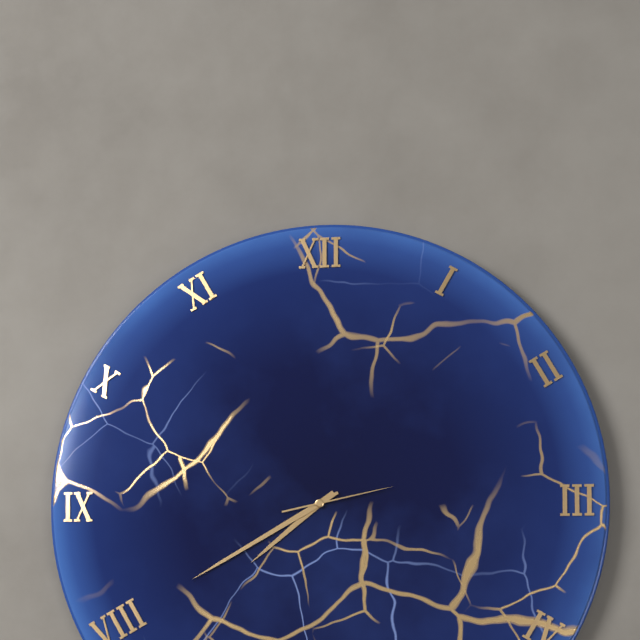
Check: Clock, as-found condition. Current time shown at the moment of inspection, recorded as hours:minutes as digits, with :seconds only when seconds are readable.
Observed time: 7:40:13
